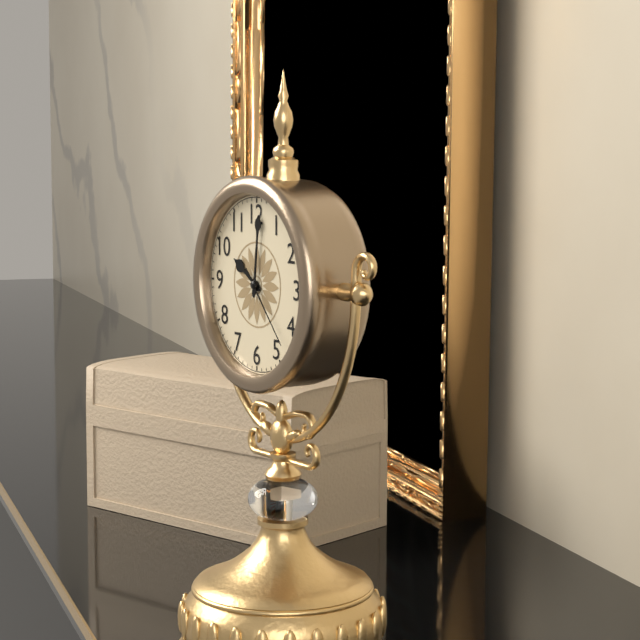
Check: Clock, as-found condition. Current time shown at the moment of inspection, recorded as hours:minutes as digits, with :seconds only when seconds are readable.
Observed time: 10:01:23
